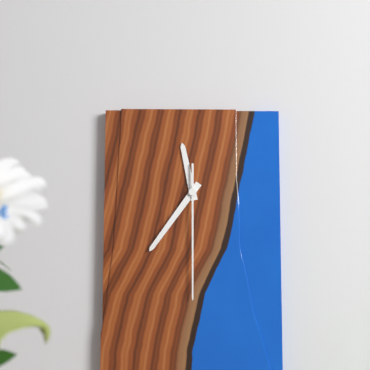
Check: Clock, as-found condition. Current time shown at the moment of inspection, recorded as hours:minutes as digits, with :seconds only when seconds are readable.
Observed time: 11:36:30
